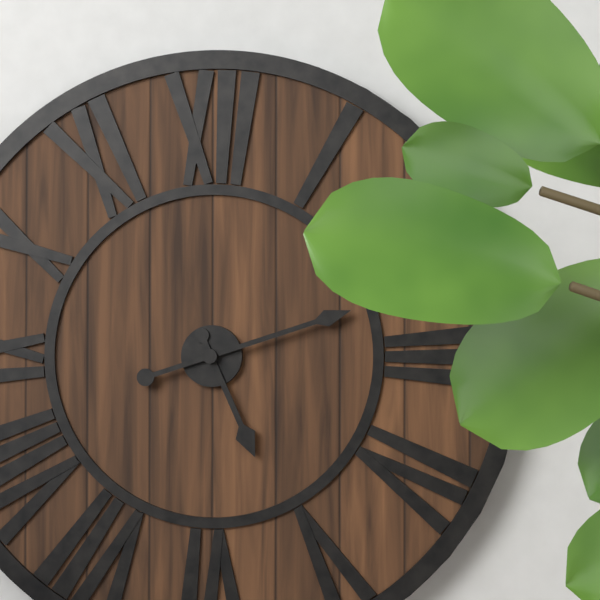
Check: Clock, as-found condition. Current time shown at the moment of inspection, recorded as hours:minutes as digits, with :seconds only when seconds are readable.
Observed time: 5:12
